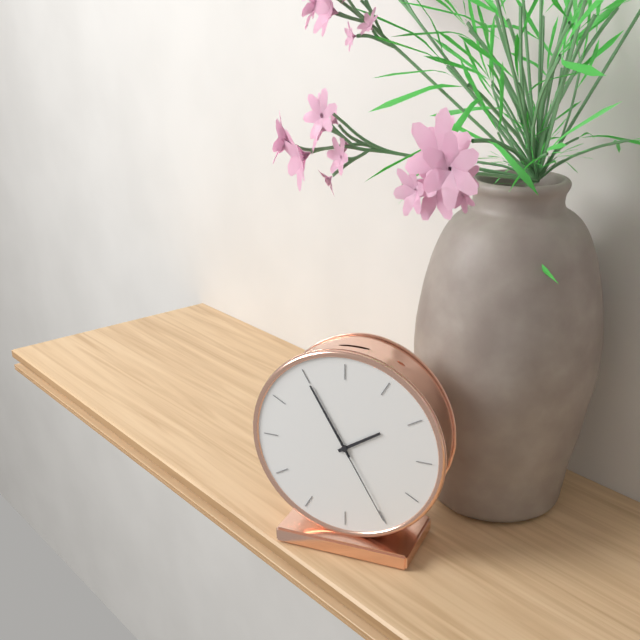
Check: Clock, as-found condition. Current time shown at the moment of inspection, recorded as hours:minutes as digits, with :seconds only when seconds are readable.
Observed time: 1:55:25
